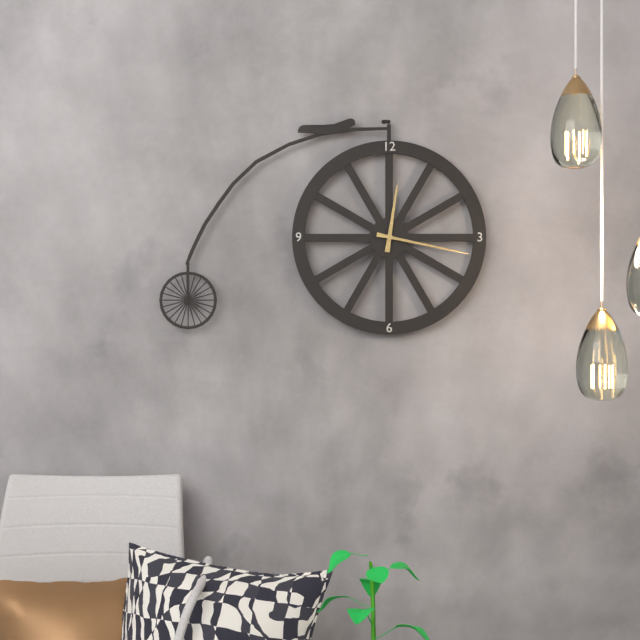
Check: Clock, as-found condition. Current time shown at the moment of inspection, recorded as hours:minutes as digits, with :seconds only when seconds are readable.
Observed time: 12:17
